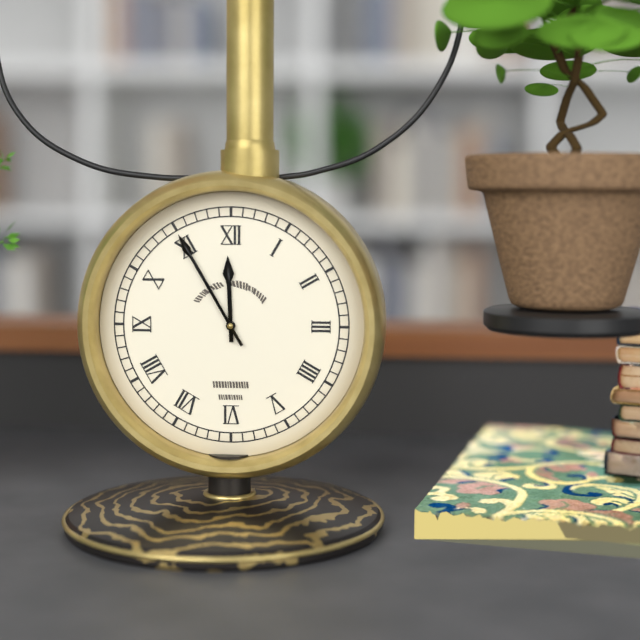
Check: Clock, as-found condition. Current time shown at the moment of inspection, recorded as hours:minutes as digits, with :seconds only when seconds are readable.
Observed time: 11:55
